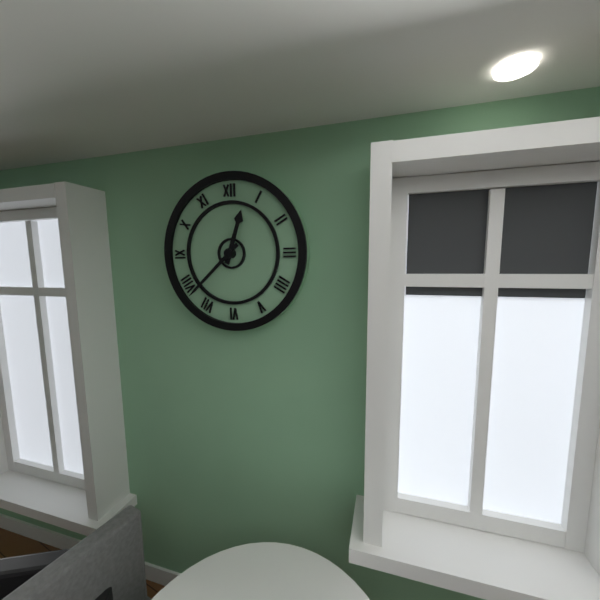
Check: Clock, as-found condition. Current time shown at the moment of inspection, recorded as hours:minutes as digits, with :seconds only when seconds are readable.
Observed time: 12:38
